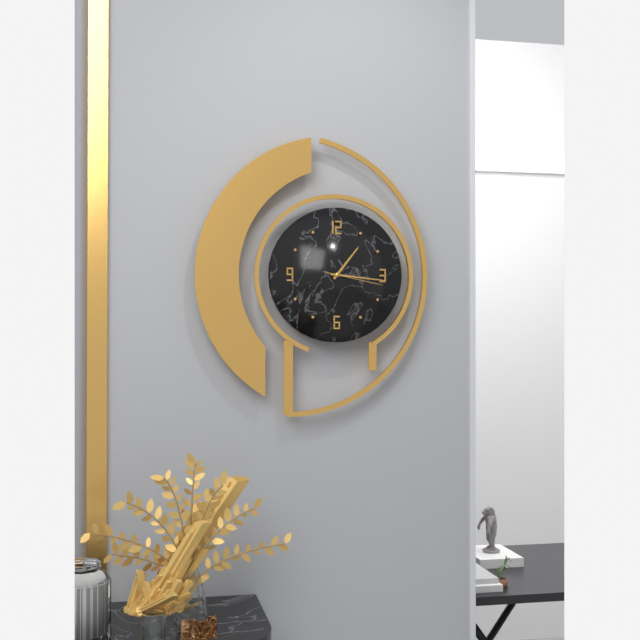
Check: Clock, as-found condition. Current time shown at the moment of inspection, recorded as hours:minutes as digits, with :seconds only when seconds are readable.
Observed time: 1:16:17
